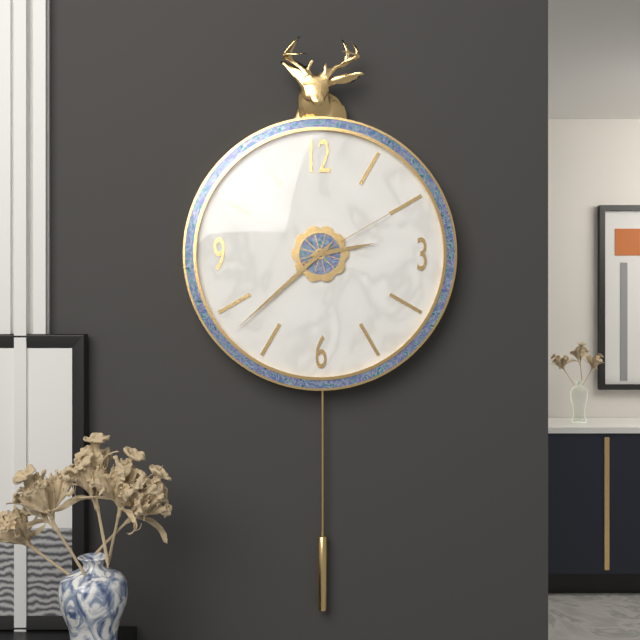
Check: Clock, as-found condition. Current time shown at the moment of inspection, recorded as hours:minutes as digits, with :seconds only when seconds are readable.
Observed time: 2:38:10
